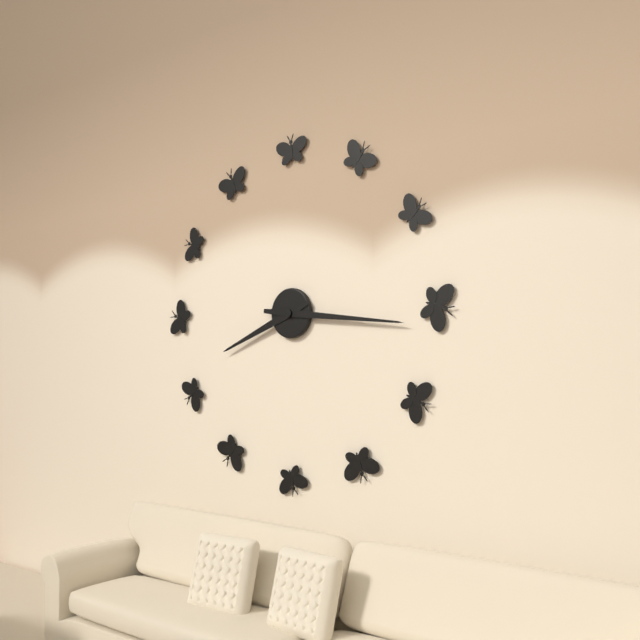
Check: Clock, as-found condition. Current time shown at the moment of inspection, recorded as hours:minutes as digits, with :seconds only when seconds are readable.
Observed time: 8:16
